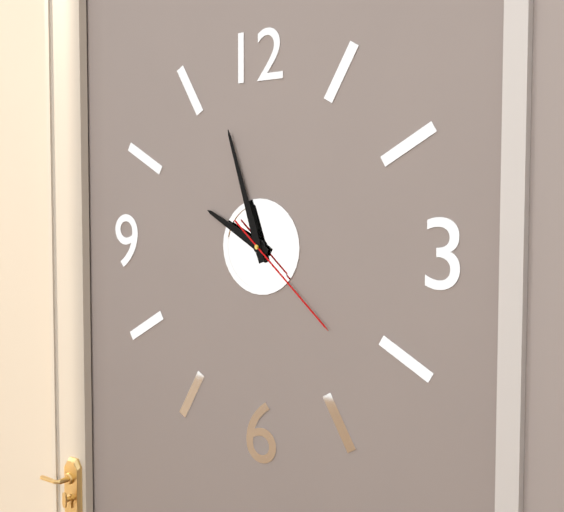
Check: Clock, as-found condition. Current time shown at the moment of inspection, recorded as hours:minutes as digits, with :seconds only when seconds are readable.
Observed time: 9:57:22
